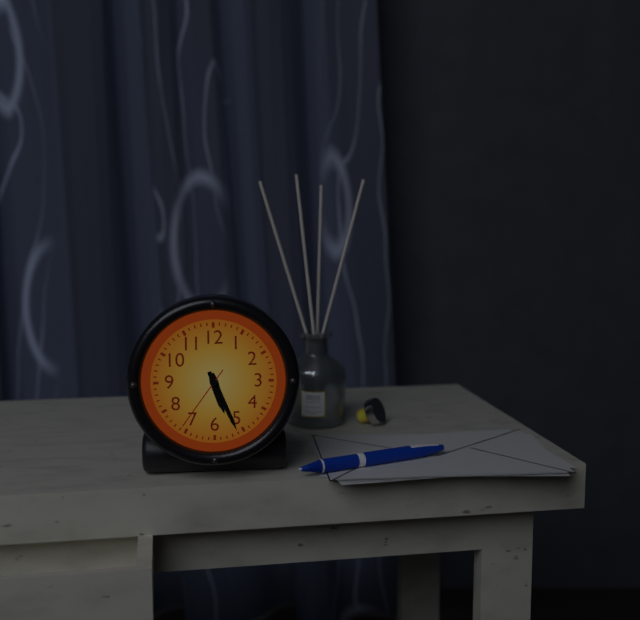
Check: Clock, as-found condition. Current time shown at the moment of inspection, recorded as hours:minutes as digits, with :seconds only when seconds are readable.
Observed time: 5:26:36
